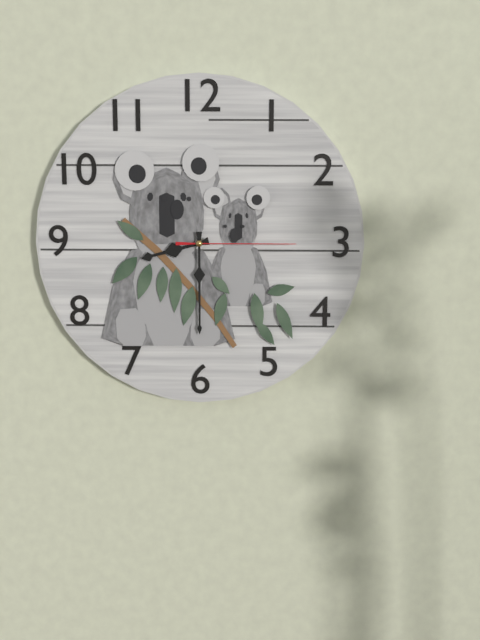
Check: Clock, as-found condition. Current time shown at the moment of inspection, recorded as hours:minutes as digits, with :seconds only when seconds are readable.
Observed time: 8:30:15
